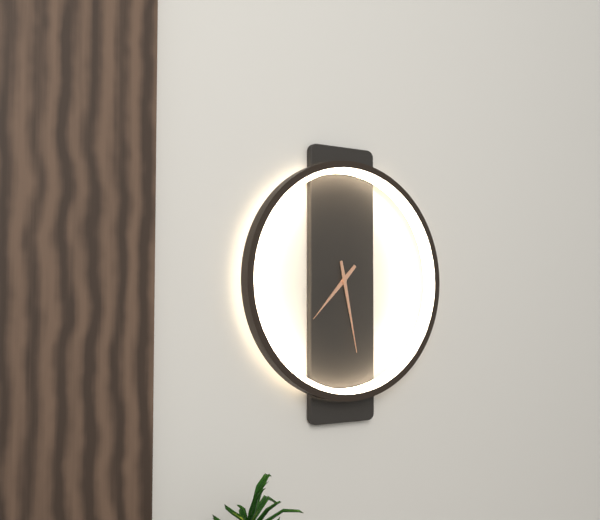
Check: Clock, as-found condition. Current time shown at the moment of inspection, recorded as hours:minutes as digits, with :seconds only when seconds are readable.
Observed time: 7:28
